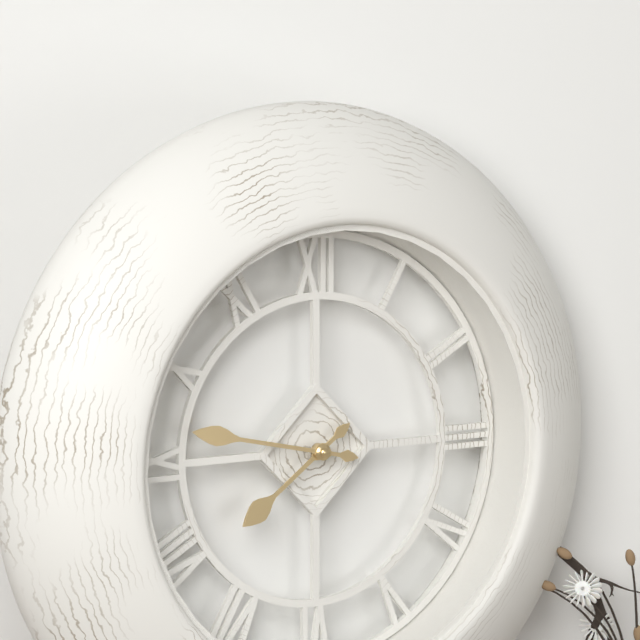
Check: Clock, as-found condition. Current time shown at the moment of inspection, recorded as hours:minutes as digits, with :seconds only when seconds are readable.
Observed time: 7:47
